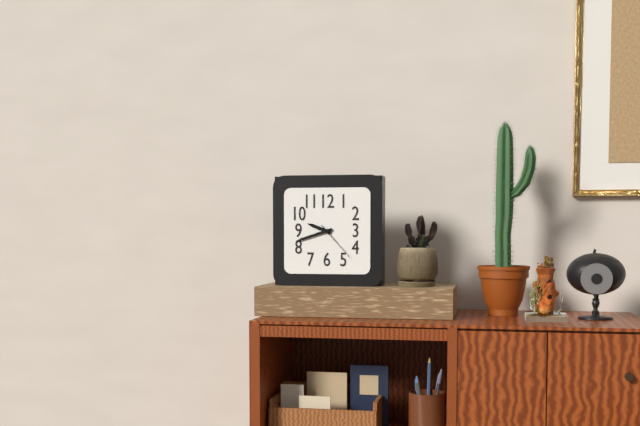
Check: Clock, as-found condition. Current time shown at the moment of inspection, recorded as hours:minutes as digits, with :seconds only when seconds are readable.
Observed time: 9:42
